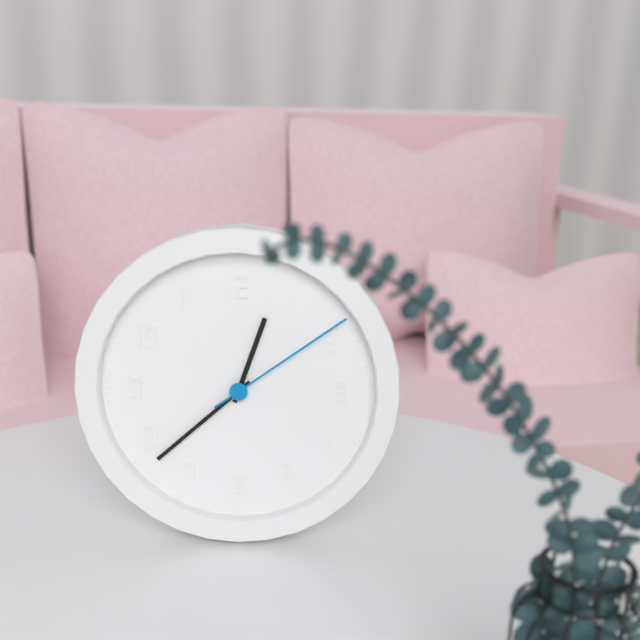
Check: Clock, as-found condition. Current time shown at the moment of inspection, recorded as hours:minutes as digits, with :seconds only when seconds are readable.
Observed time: 12:38:09
